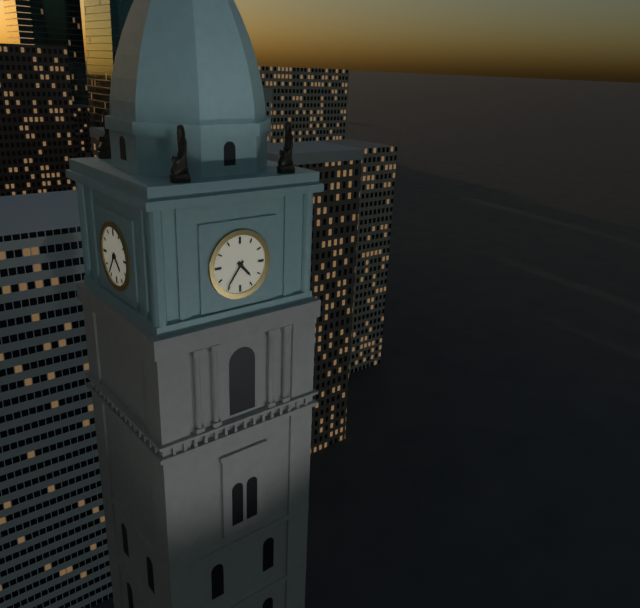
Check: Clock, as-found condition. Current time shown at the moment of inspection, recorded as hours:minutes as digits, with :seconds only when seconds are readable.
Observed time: 4:36
